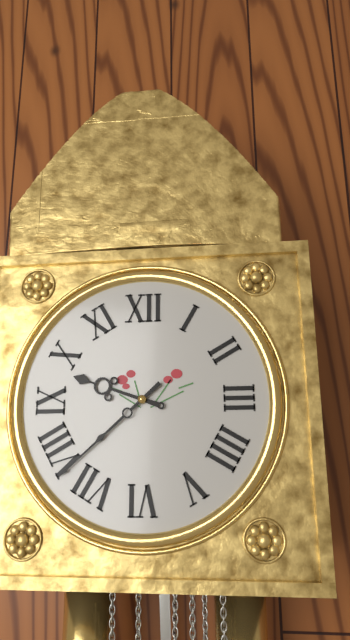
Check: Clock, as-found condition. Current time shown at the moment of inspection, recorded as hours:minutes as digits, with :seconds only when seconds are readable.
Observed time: 9:38
